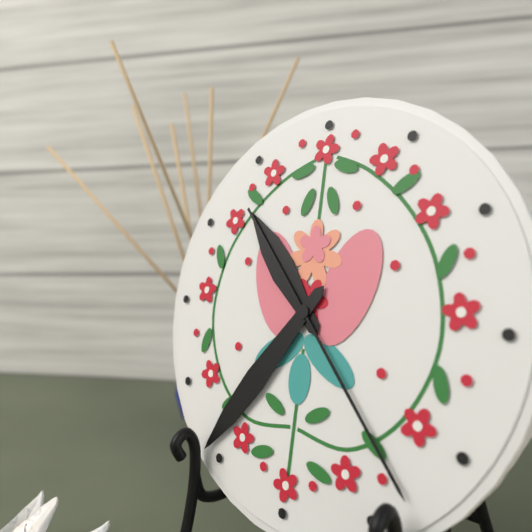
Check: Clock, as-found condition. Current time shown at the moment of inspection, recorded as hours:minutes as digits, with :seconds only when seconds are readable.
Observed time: 10:36:23
